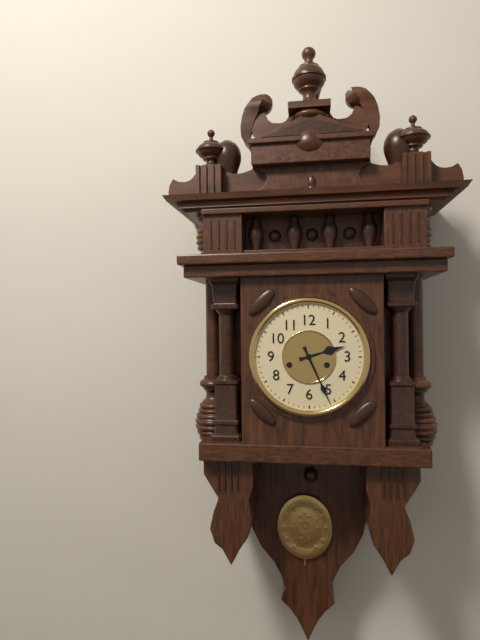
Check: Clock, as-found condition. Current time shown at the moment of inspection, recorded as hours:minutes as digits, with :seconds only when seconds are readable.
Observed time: 2:26
